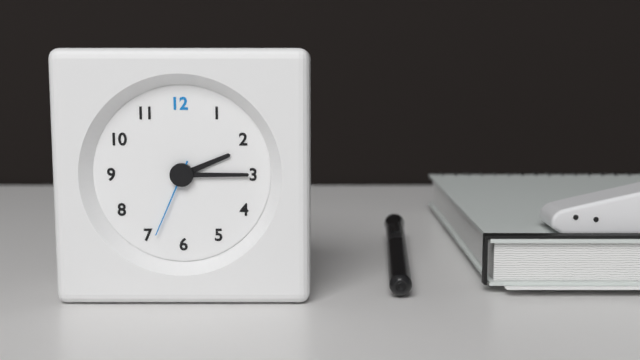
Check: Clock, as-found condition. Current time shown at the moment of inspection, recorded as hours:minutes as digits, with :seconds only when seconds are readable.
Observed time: 2:15:34
